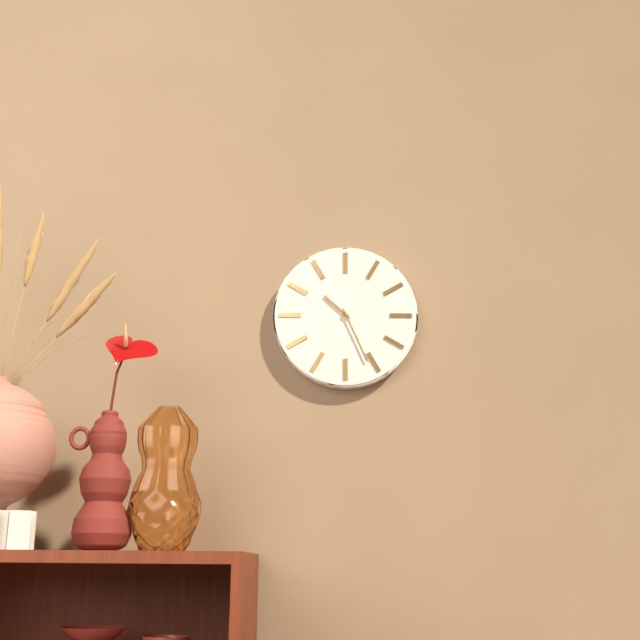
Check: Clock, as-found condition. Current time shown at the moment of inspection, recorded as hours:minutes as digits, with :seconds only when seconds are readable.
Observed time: 10:26
